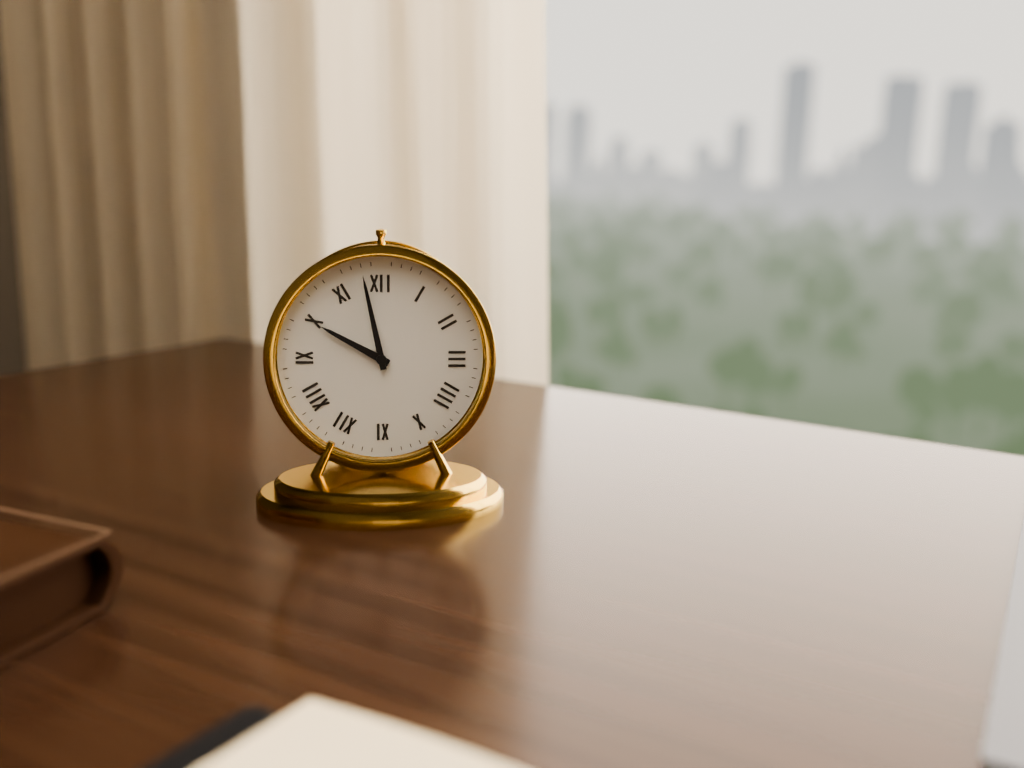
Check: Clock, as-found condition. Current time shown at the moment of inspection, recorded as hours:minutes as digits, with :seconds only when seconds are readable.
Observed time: 9:58
